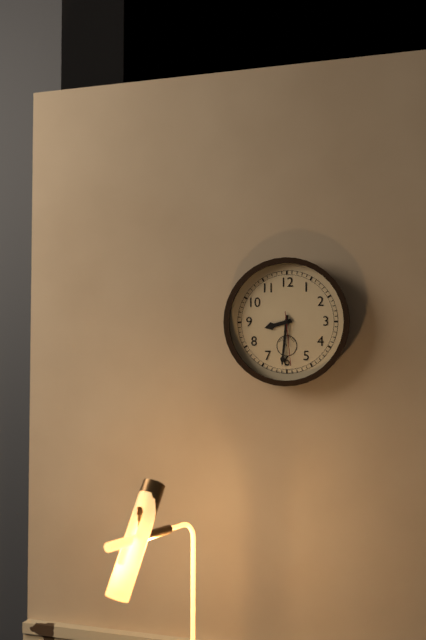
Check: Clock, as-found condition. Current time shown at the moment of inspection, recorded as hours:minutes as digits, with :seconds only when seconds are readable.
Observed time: 8:31:29
